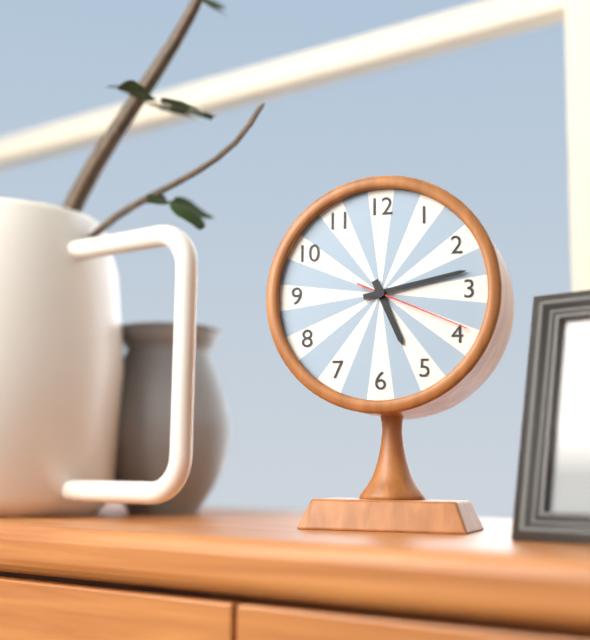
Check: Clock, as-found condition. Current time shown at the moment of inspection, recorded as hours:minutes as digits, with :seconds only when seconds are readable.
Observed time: 5:13:19
